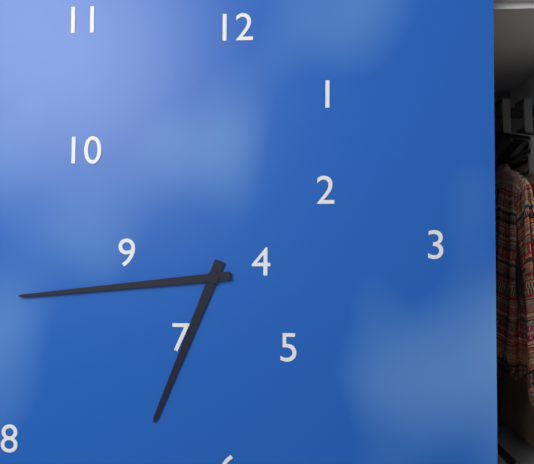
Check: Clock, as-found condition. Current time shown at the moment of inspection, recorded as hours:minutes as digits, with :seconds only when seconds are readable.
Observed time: 6:44
